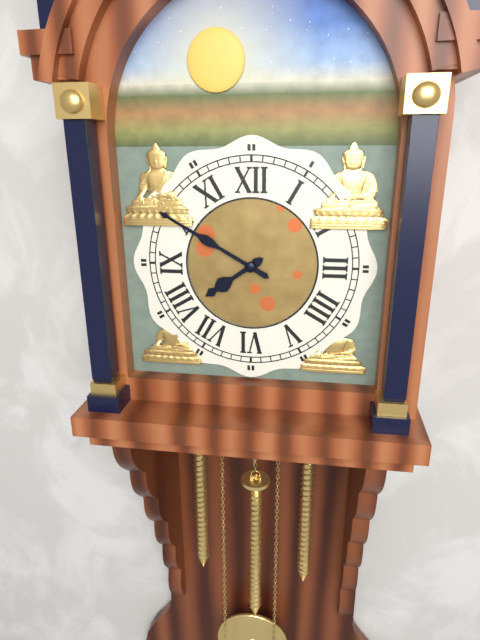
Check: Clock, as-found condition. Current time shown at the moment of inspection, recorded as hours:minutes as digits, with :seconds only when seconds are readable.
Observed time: 7:50
